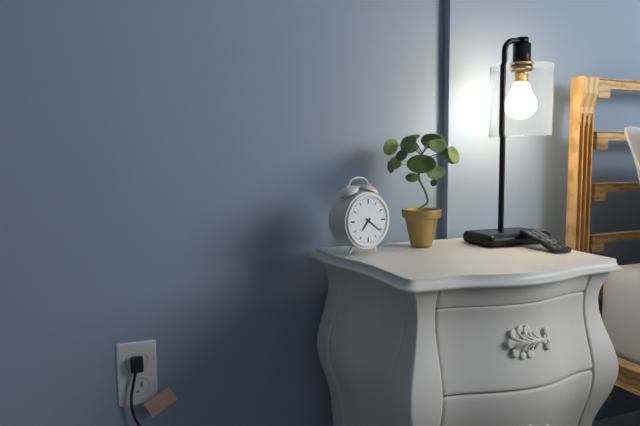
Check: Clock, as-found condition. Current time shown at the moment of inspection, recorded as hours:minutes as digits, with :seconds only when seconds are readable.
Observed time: 7:21
